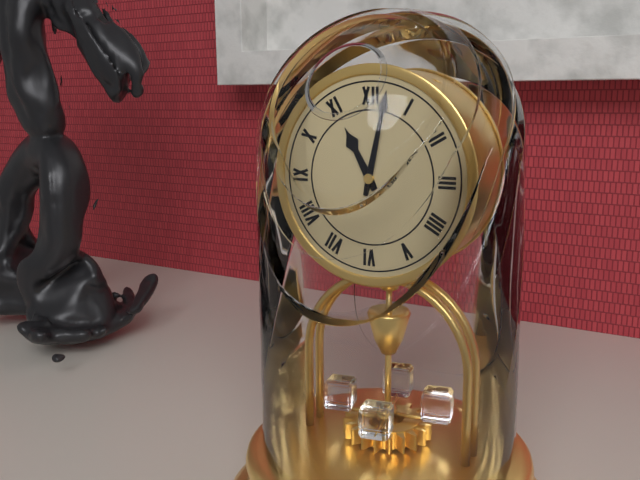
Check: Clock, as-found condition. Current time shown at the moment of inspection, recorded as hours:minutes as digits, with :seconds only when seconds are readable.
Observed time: 11:02
